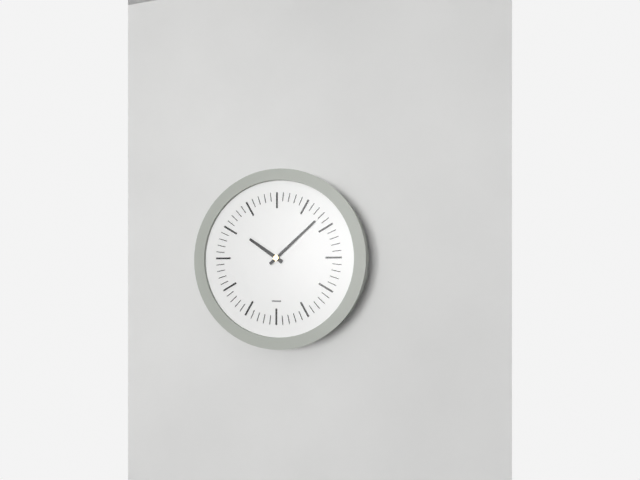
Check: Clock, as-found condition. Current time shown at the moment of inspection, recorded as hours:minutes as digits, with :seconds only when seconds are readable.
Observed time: 10:08
